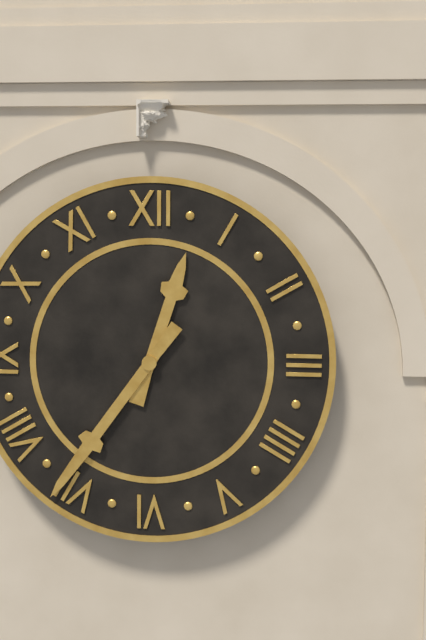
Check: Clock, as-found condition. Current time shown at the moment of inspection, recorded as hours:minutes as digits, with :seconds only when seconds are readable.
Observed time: 12:36
